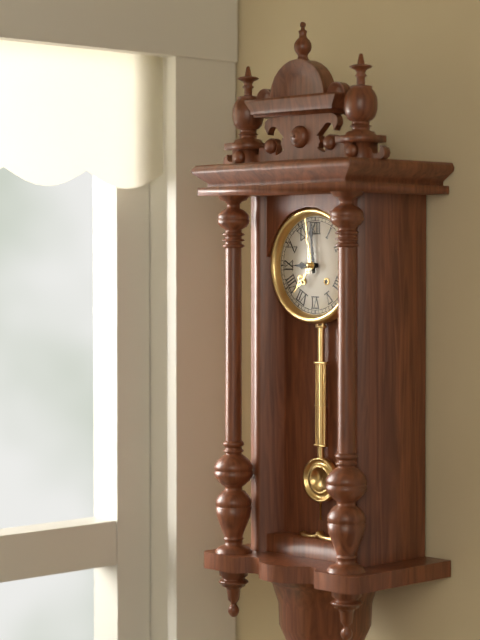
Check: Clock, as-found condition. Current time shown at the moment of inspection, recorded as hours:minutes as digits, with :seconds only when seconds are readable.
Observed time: 8:59
